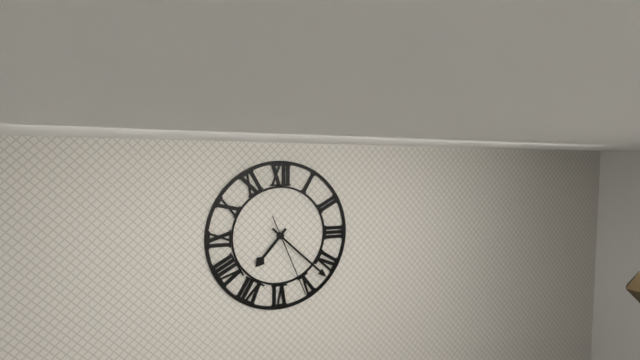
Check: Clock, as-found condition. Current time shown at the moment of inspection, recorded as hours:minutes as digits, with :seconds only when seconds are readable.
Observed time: 7:22:26
